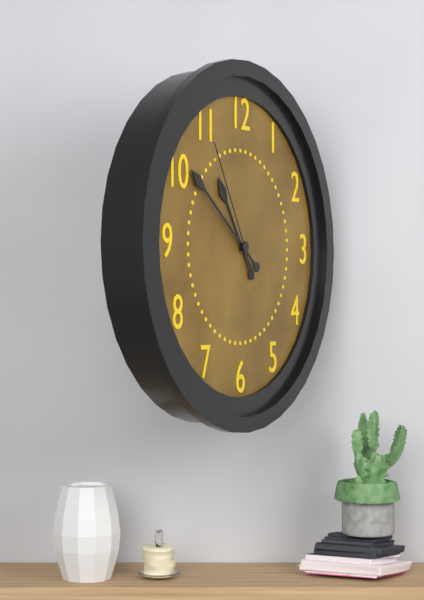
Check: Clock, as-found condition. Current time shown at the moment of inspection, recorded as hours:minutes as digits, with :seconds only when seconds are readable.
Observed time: 10:51:55
